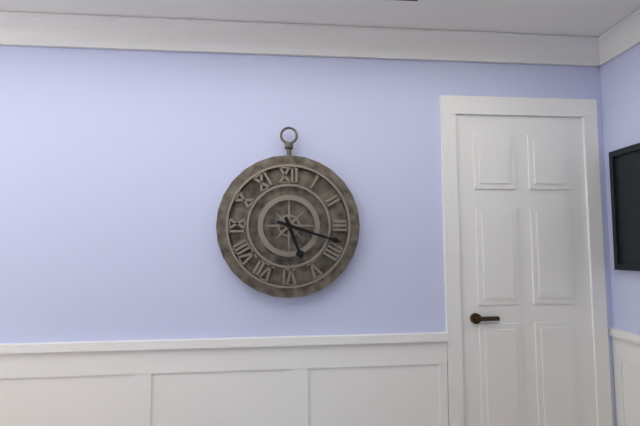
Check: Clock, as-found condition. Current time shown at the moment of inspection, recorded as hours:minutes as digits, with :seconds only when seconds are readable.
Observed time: 5:18
